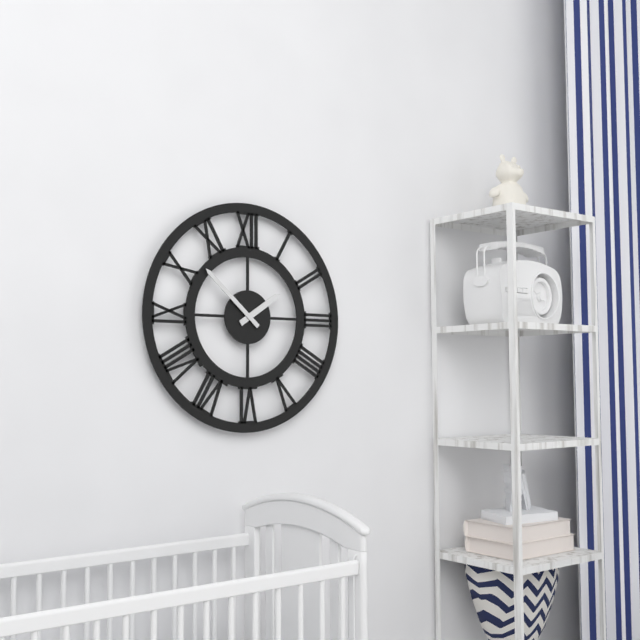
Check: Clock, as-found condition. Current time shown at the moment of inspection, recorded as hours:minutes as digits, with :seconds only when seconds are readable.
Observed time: 1:52
